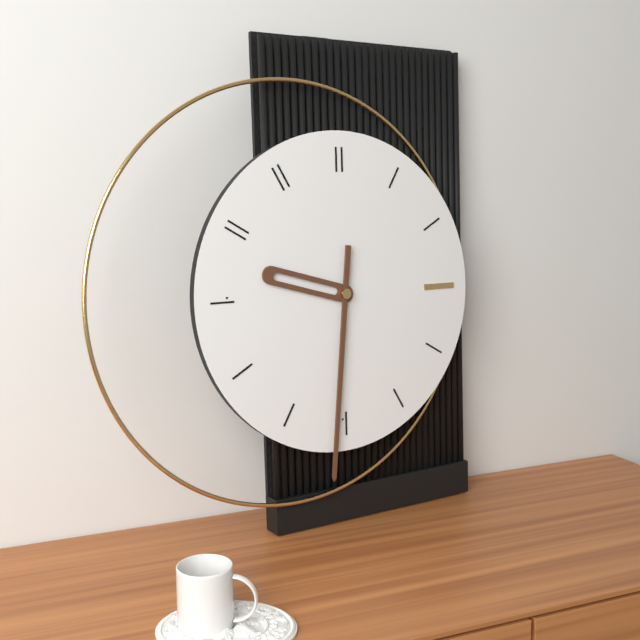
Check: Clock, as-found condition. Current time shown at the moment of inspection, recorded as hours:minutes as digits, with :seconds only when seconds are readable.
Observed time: 9:31
